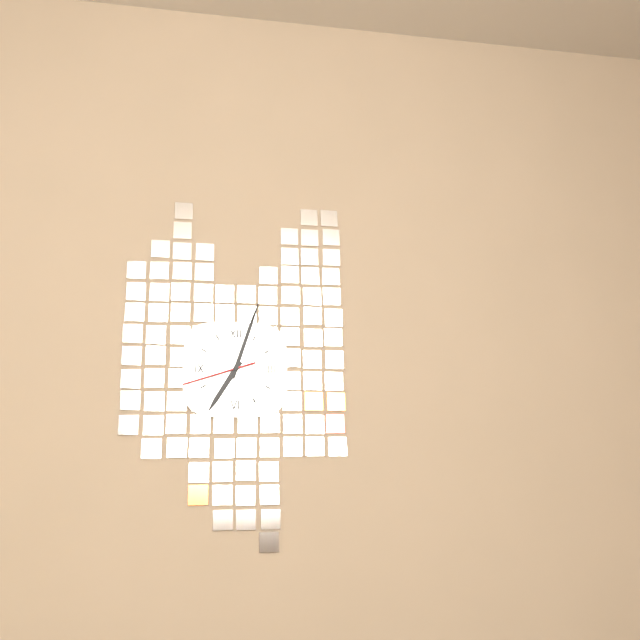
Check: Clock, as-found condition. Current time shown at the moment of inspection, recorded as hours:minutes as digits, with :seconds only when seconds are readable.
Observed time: 7:03:42
